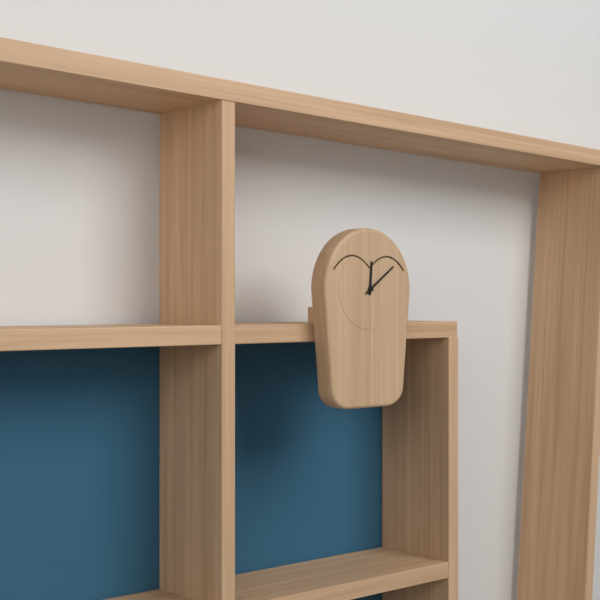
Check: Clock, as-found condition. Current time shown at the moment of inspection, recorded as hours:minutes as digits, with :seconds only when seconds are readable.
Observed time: 12:09
